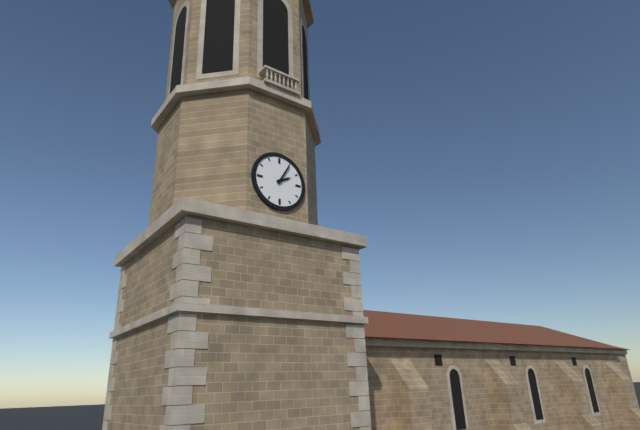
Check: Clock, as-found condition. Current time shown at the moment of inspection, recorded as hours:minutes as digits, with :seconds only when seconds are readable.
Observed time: 2:05
